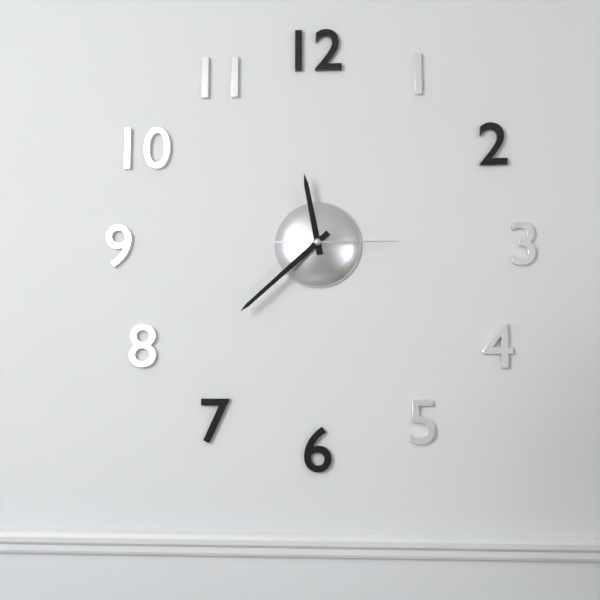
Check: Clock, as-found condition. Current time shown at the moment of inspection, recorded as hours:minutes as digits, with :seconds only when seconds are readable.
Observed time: 11:38:15
